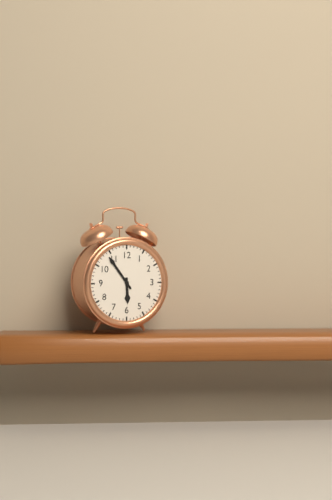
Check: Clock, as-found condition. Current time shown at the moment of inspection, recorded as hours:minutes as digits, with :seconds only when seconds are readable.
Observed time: 5:54
